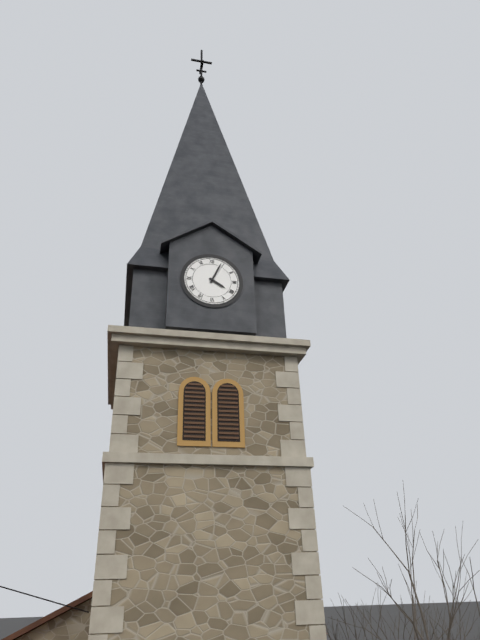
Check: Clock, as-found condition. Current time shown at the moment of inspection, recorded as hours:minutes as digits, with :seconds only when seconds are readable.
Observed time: 4:04
